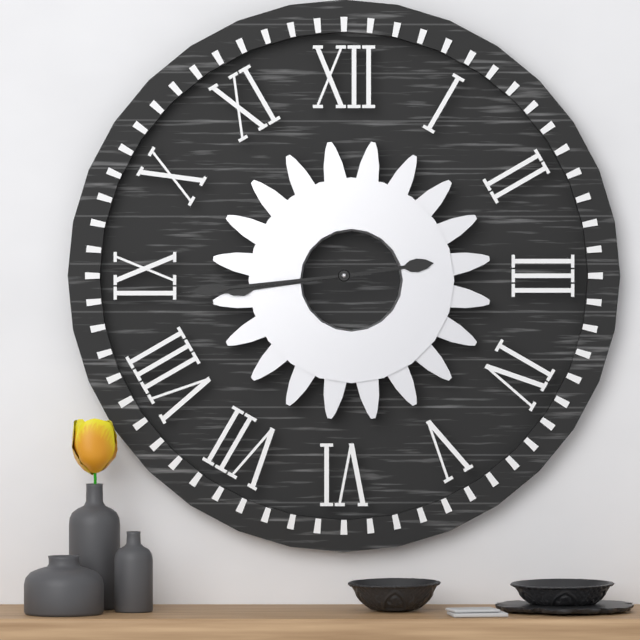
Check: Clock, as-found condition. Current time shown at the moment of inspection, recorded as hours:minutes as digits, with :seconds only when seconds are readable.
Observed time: 8:44
